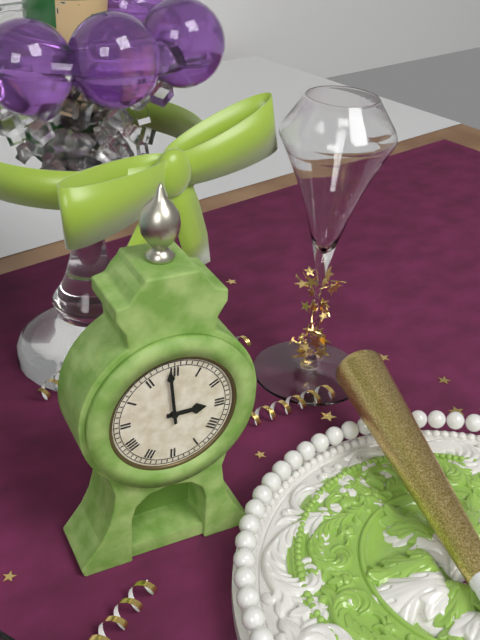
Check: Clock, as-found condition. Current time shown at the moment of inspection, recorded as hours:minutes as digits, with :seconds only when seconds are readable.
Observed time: 2:59
